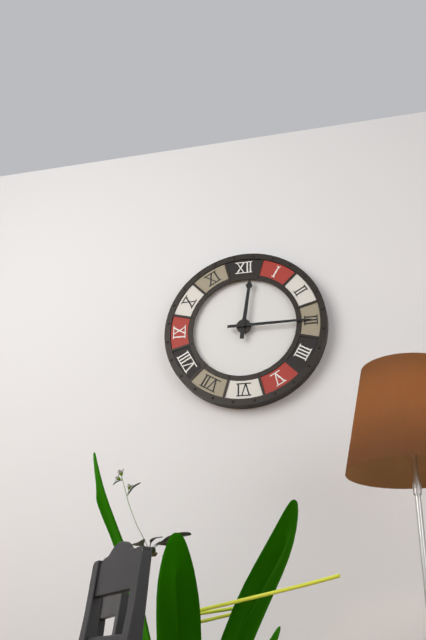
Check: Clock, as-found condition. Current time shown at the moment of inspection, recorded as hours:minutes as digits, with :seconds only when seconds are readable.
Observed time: 12:15
